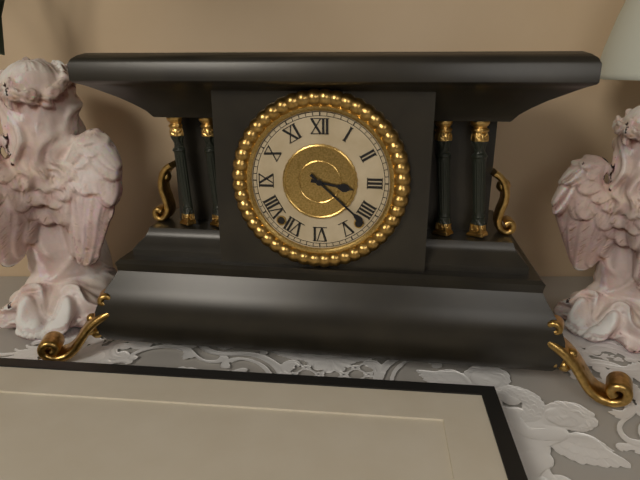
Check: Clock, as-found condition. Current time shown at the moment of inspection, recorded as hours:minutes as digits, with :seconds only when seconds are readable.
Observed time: 3:22
